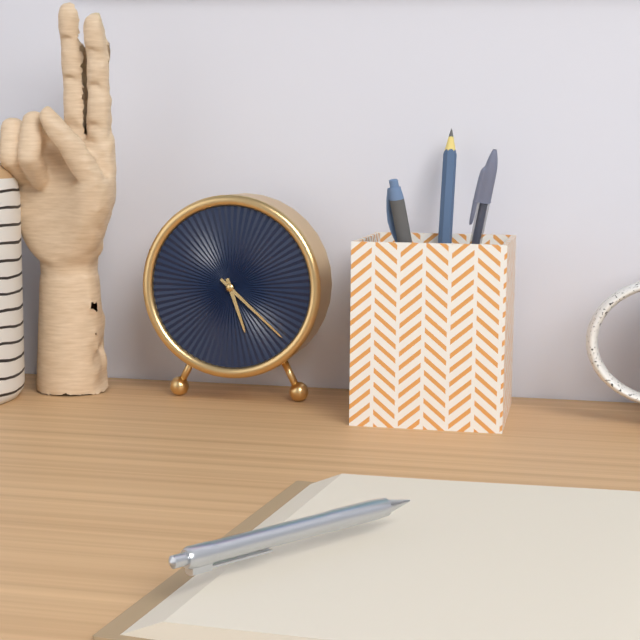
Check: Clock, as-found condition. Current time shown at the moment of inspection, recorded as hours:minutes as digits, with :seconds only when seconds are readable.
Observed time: 5:22
